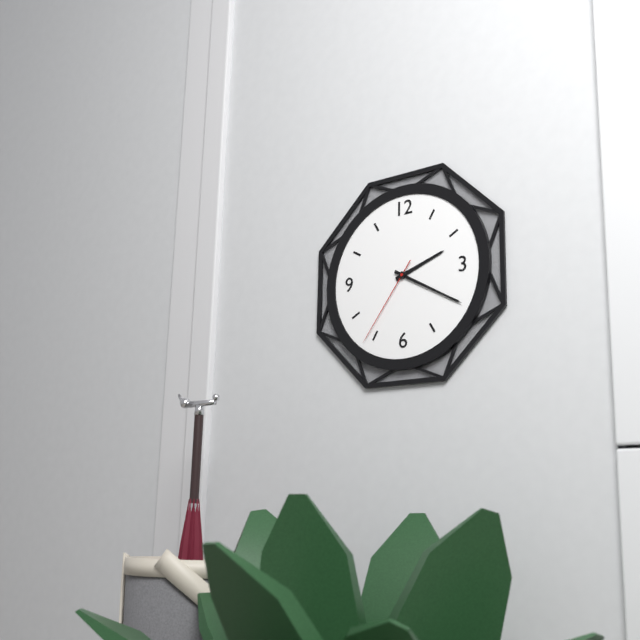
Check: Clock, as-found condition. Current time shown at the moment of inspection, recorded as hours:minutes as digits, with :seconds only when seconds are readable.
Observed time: 2:20:36
